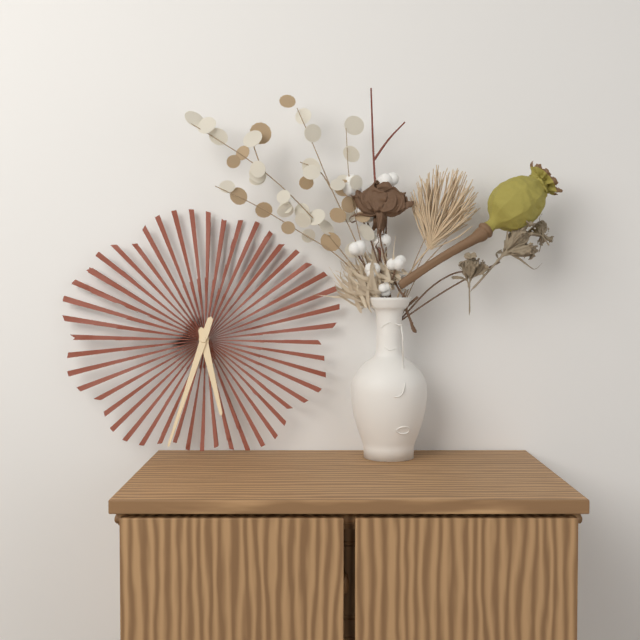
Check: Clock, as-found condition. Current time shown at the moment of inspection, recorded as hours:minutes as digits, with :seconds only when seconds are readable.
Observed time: 5:33
